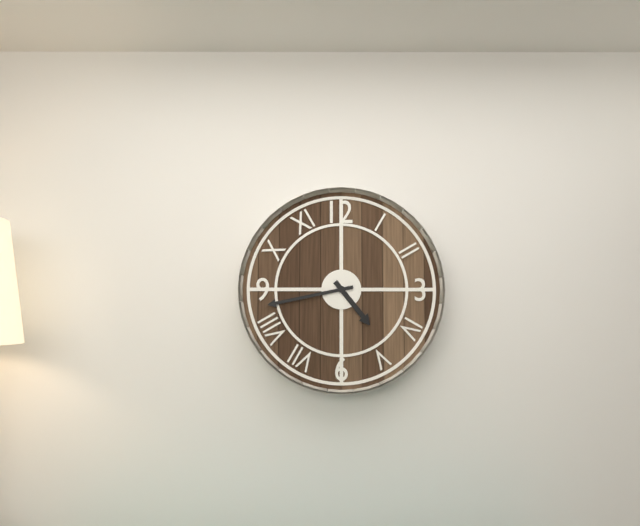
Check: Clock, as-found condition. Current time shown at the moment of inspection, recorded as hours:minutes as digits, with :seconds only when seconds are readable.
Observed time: 4:43
